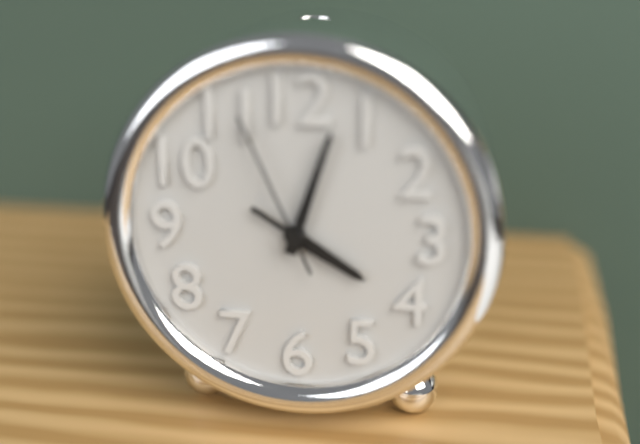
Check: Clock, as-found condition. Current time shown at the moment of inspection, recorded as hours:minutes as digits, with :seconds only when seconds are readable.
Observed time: 4:03:56
